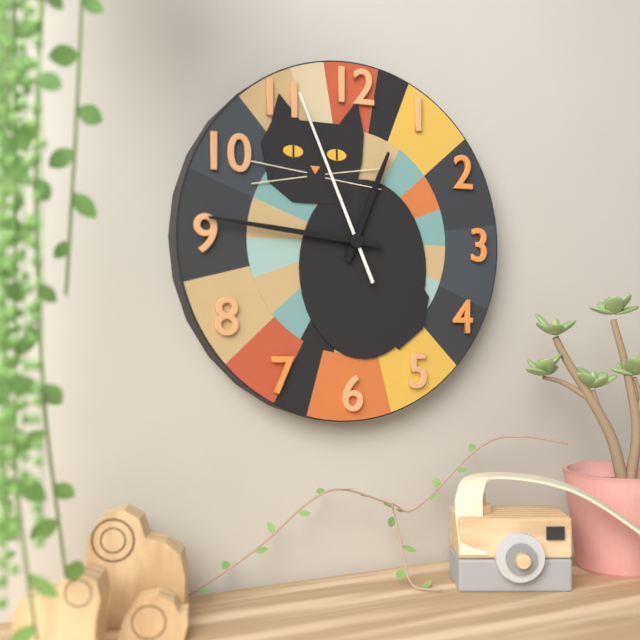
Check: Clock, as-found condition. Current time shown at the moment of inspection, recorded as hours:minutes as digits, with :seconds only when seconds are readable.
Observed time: 12:46:56
